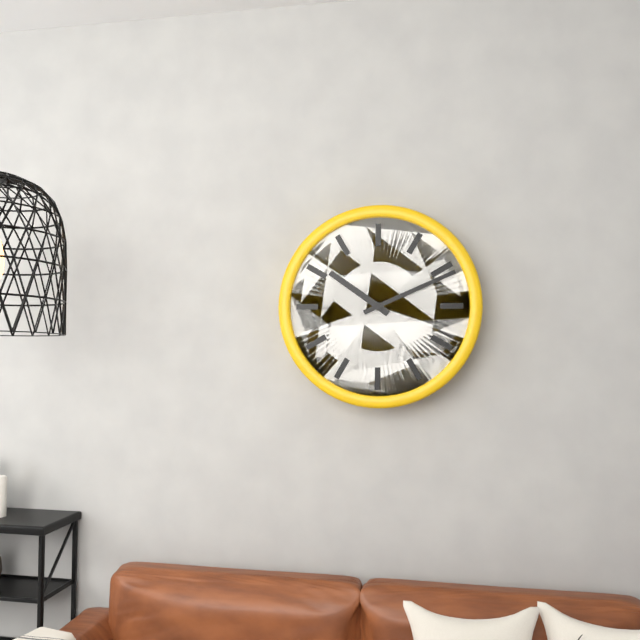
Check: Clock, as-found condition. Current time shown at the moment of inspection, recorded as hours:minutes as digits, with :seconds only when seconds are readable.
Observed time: 10:11
